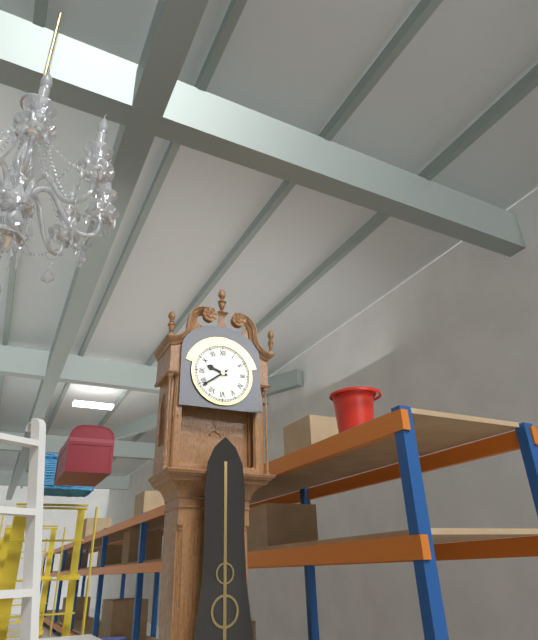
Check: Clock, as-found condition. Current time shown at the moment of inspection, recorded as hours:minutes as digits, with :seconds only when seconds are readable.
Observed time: 9:39
